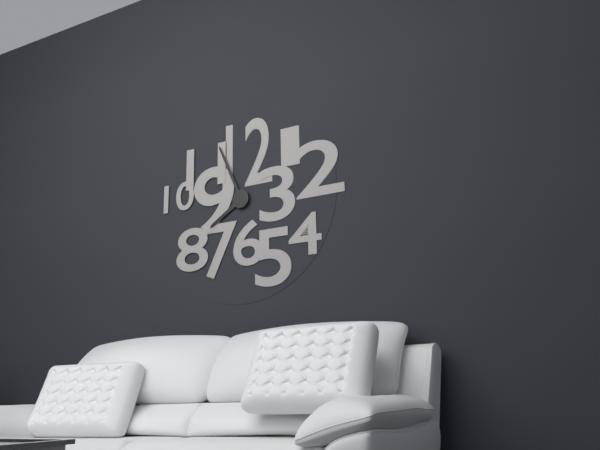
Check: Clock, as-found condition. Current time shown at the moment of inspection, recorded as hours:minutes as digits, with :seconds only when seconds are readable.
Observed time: 7:56
